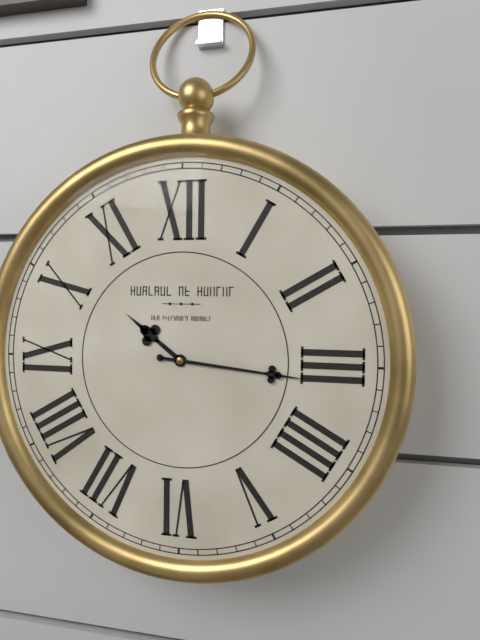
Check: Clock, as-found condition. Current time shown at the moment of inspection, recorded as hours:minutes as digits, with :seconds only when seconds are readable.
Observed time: 10:16
